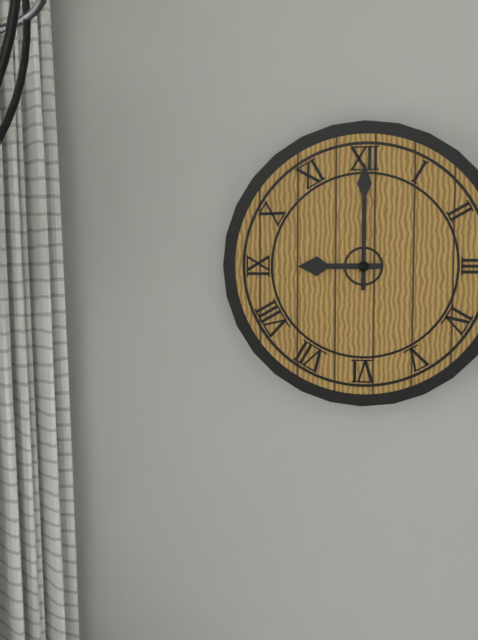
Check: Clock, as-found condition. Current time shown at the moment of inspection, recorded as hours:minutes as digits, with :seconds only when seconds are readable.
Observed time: 9:00
